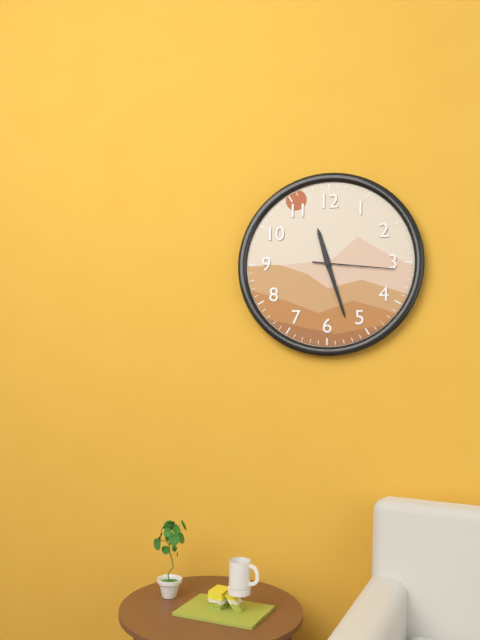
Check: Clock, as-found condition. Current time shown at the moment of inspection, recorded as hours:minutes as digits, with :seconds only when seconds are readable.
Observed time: 11:27:16
